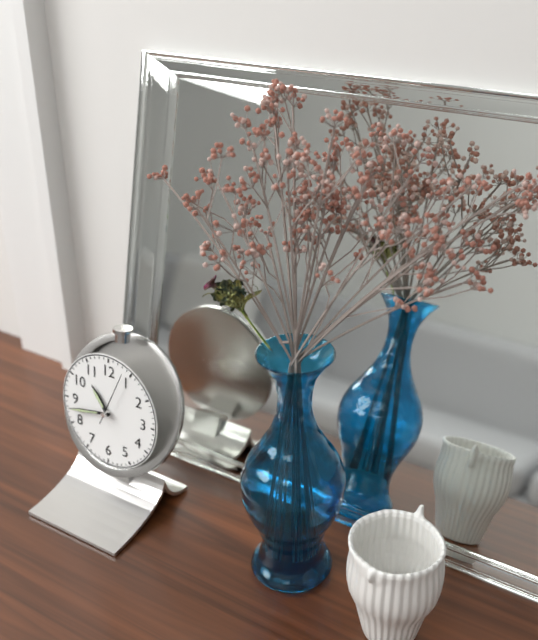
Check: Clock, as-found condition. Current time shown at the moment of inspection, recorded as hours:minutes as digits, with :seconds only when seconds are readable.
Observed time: 10:43
